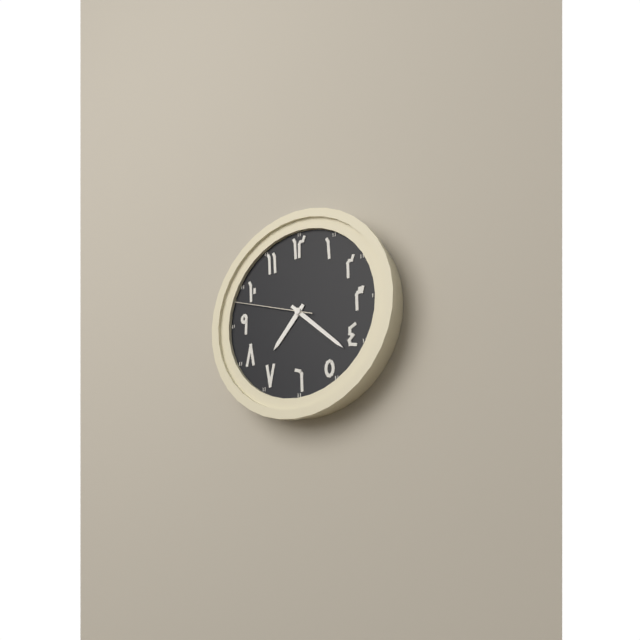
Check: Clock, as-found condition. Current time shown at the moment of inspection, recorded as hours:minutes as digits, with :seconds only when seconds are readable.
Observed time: 7:22:48
